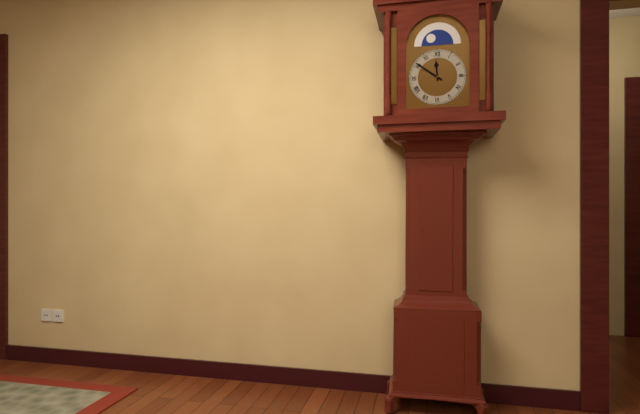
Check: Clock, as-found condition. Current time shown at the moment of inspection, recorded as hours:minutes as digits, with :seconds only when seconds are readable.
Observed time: 11:51
